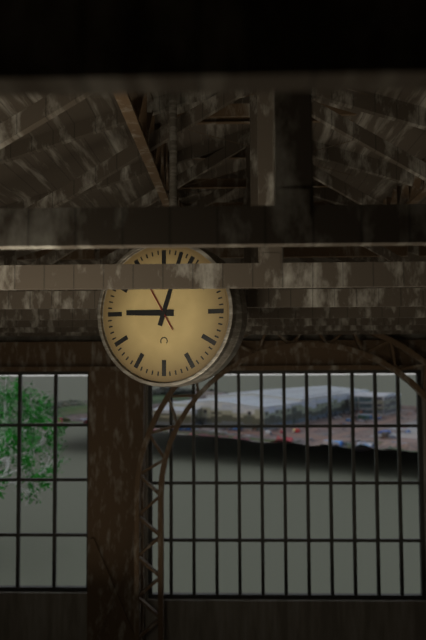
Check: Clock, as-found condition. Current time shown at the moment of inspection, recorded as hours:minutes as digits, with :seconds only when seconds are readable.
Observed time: 9:03
